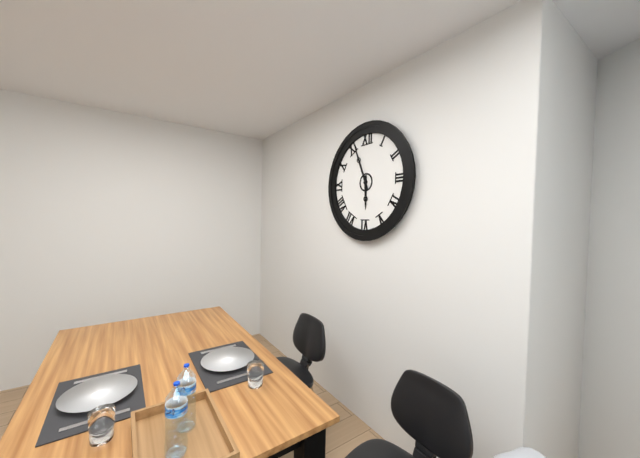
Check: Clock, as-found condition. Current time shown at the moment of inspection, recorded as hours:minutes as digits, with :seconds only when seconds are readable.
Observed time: 5:56
